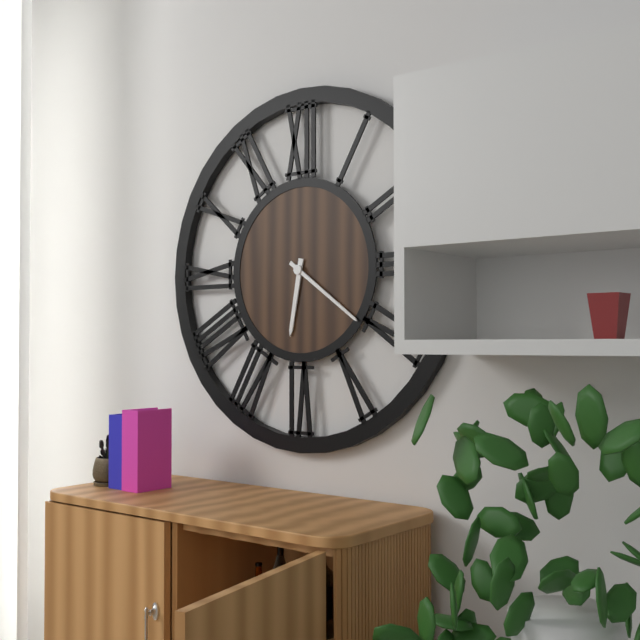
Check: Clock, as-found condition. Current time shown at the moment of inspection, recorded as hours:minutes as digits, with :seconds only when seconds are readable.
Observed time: 6:21
